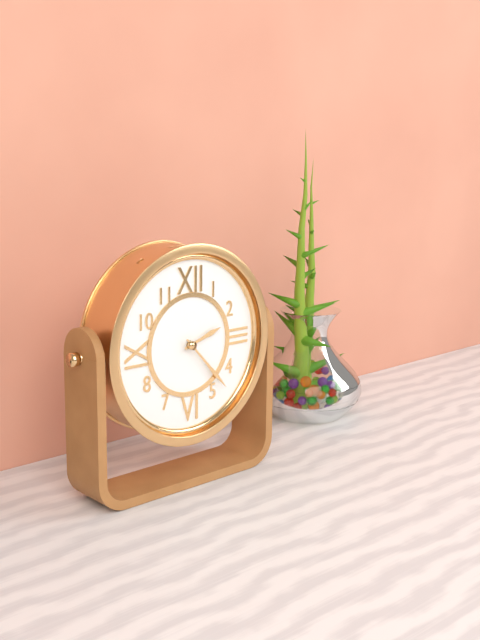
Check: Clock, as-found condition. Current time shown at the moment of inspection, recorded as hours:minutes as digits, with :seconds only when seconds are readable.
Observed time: 2:23
